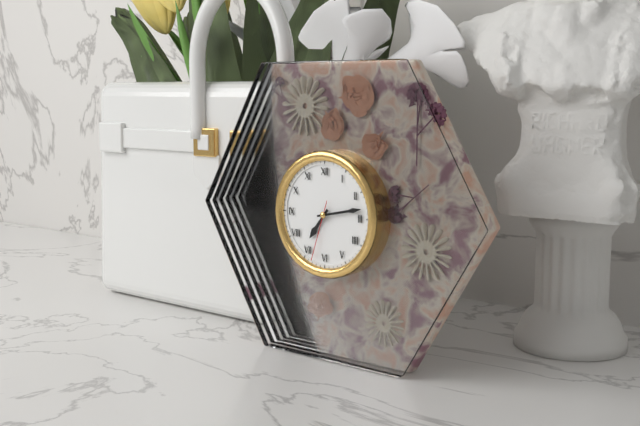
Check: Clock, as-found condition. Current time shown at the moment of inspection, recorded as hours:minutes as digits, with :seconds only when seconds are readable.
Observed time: 7:13:33
